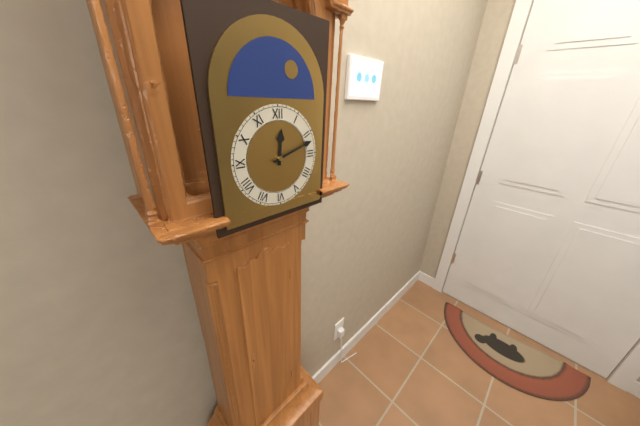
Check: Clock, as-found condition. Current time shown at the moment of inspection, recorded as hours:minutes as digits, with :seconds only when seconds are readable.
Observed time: 12:12
